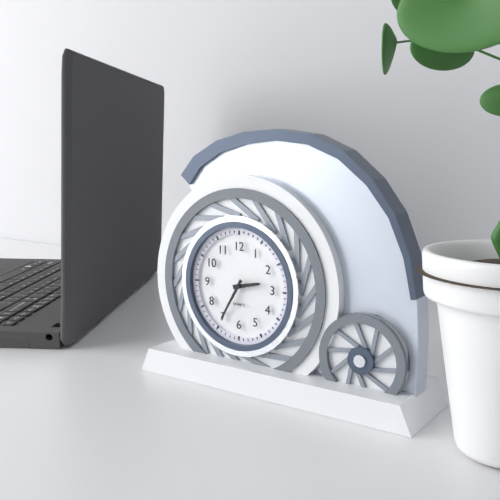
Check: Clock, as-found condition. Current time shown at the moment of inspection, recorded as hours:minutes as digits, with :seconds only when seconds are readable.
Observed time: 2:35
